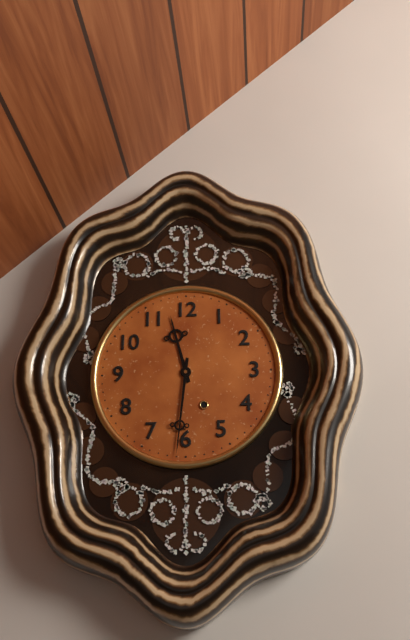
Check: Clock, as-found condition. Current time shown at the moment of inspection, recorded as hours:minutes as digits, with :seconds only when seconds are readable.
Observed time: 11:31
